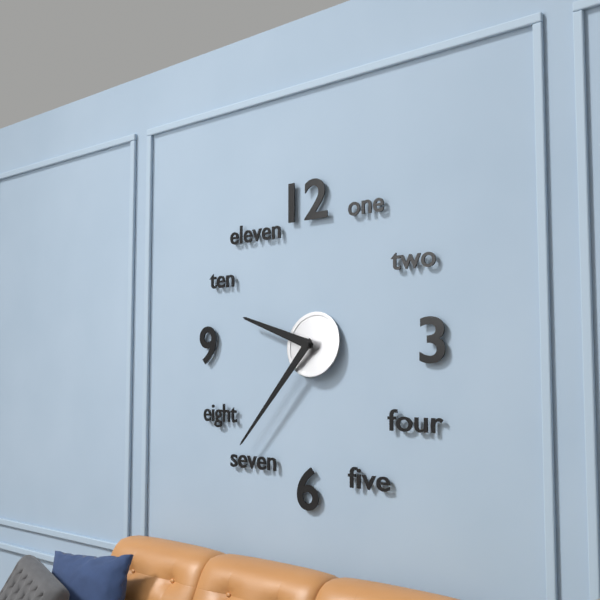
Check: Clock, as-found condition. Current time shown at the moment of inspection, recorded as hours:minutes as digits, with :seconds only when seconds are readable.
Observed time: 9:37
